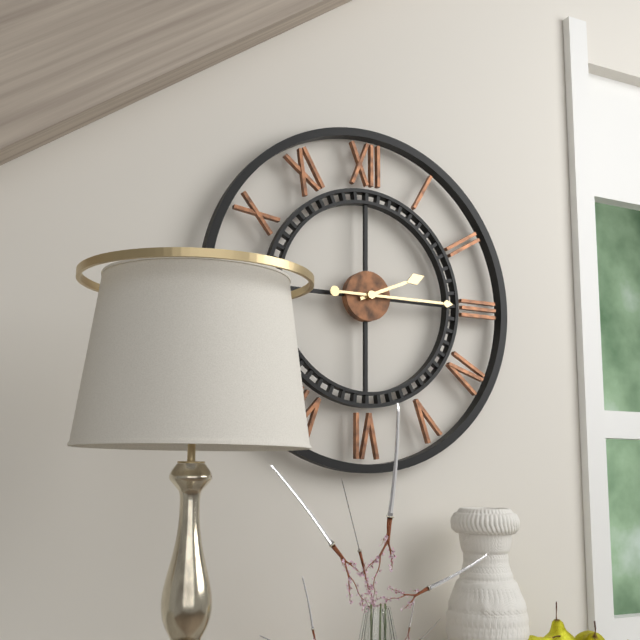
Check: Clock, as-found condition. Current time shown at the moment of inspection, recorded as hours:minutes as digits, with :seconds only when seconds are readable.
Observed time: 2:15
